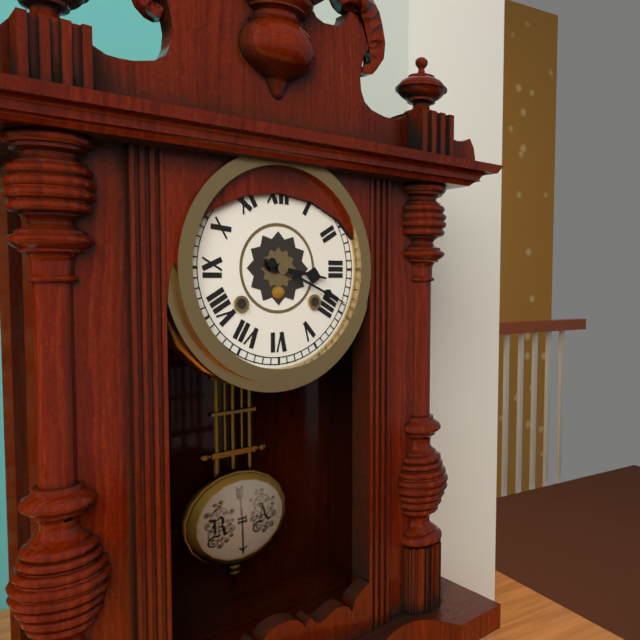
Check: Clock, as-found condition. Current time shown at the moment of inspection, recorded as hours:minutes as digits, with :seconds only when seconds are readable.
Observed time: 3:19
